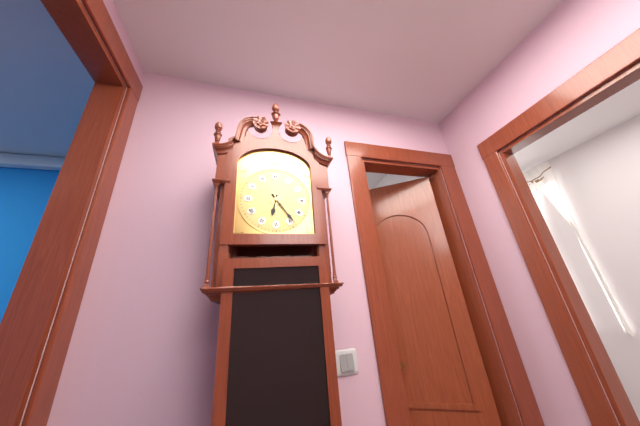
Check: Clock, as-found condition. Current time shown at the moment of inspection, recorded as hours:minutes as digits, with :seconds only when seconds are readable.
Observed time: 6:24
